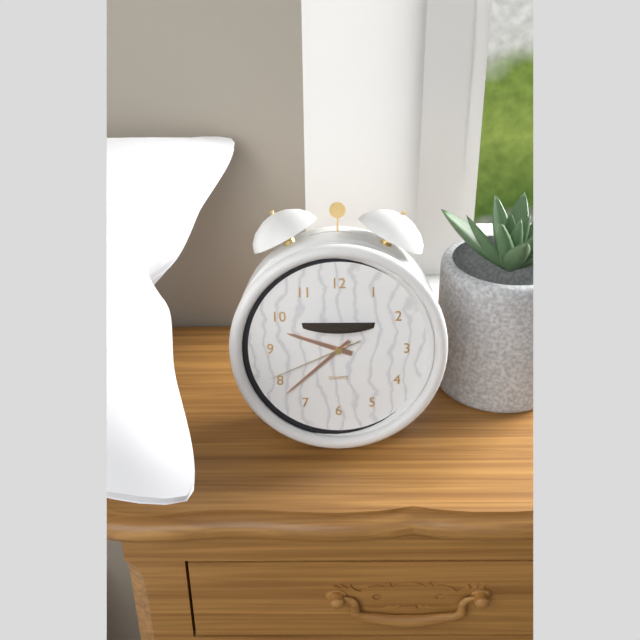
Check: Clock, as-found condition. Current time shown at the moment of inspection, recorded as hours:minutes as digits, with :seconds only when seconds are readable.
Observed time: 9:38:41
